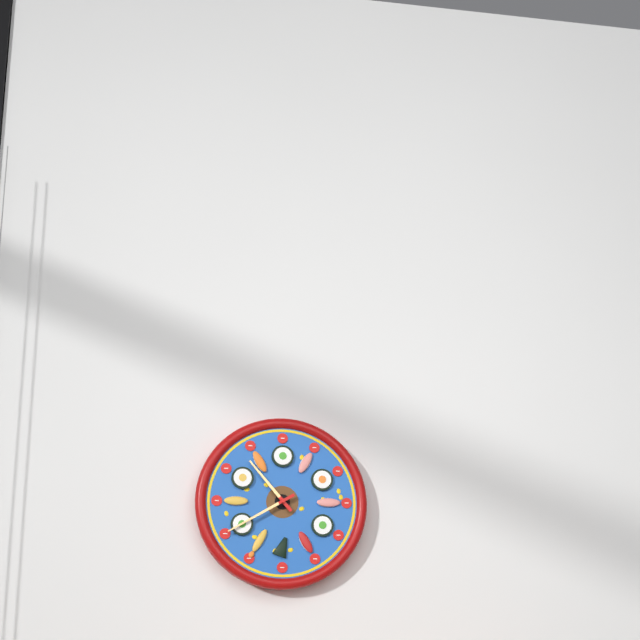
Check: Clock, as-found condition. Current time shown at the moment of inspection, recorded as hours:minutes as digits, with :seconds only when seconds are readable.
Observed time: 10:40
